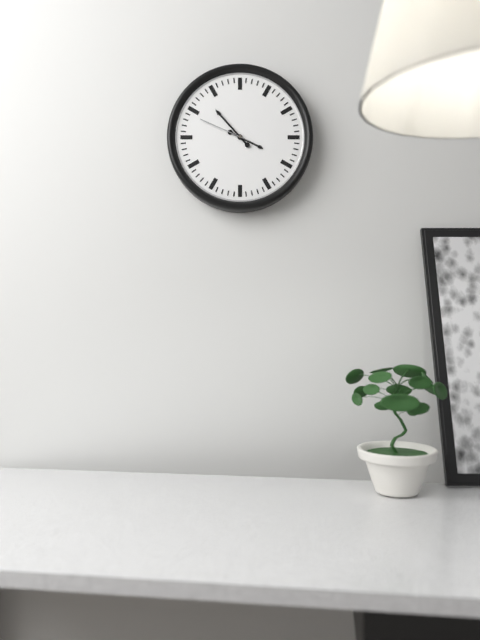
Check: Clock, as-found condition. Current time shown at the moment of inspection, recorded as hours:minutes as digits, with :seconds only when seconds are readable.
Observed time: 3:53:49
